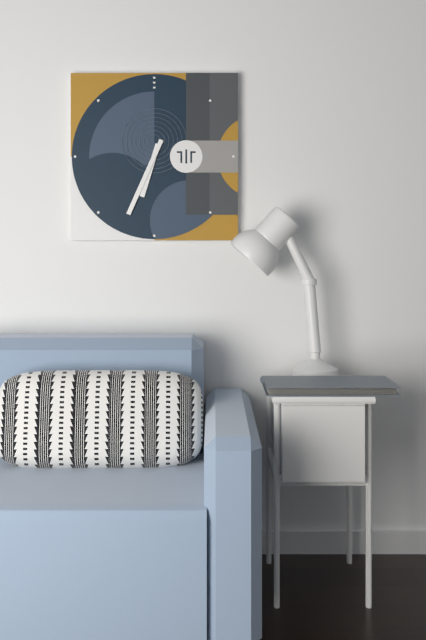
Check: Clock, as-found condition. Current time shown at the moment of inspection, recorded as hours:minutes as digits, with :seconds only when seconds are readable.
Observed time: 6:34
